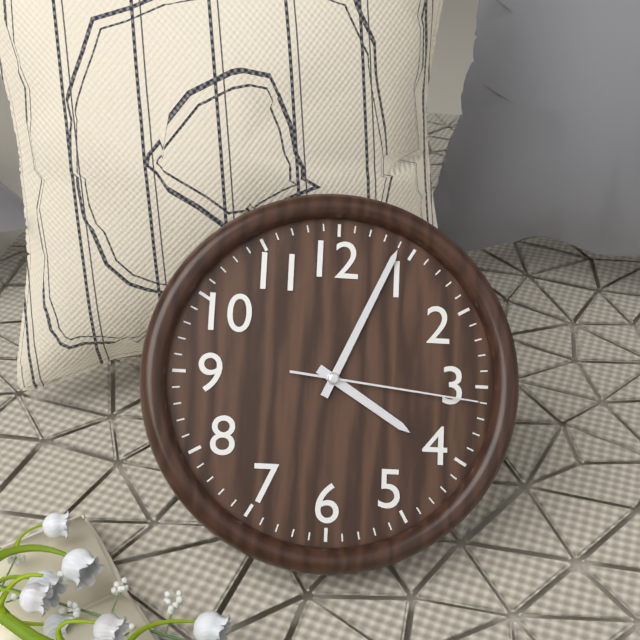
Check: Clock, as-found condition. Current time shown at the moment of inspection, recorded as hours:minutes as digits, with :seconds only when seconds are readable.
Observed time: 4:04:16
